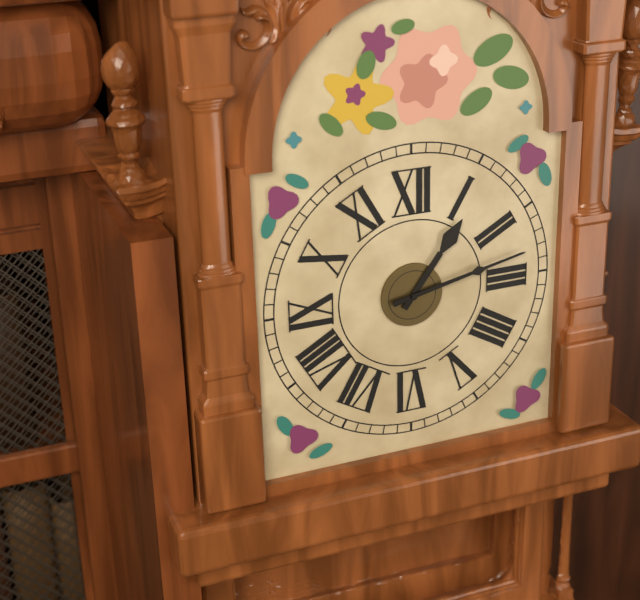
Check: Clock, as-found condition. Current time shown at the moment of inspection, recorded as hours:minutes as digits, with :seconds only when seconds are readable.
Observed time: 1:13
